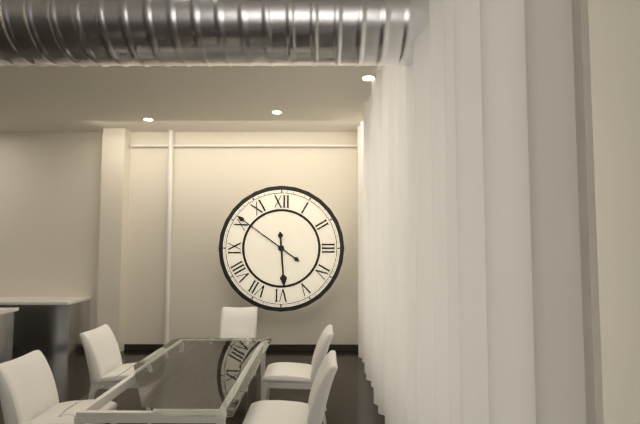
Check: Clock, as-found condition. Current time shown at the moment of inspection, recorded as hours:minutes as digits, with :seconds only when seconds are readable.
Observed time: 5:51
